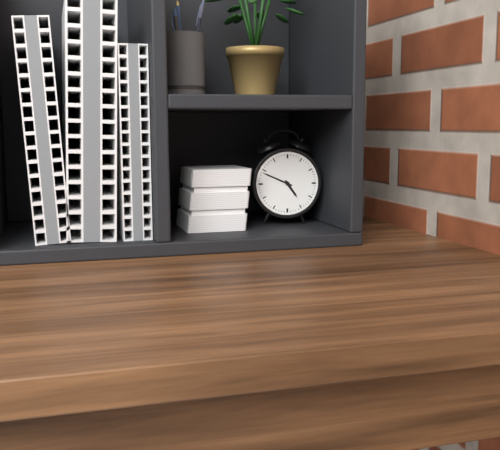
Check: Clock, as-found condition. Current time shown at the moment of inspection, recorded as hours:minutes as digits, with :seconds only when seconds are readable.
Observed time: 4:49
